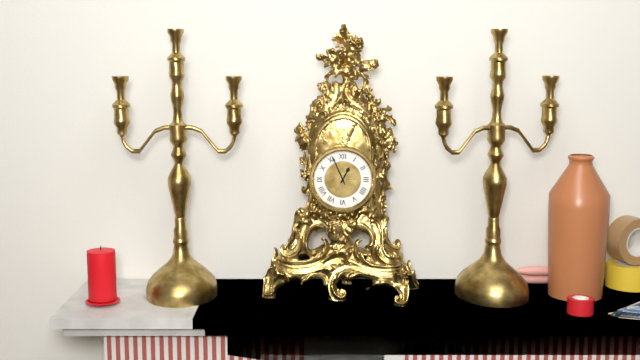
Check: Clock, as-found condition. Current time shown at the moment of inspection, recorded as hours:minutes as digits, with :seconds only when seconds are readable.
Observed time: 12:56
